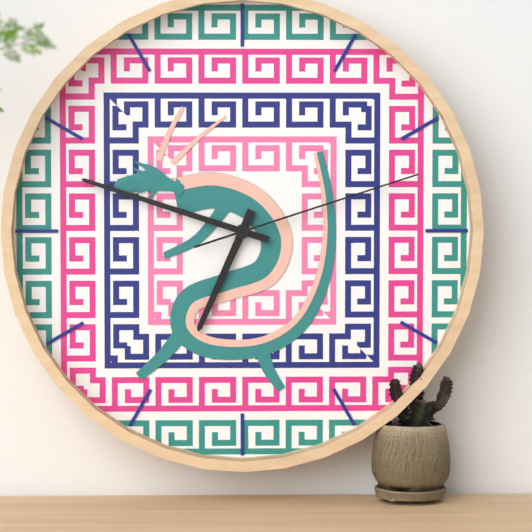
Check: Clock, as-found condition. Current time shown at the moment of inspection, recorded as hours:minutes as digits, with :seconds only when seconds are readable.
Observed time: 6:48:12
